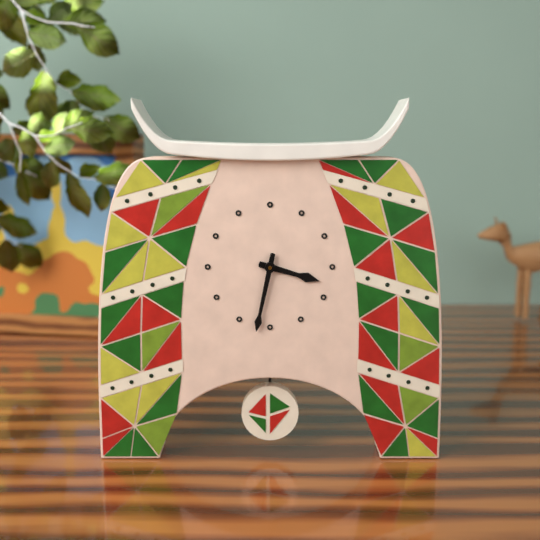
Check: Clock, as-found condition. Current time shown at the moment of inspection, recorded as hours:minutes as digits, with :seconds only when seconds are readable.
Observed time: 3:32
